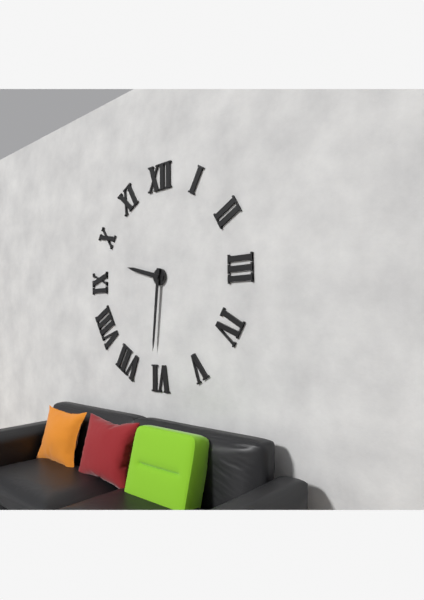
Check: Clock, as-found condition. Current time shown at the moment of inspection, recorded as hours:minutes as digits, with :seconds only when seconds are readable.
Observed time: 9:31
